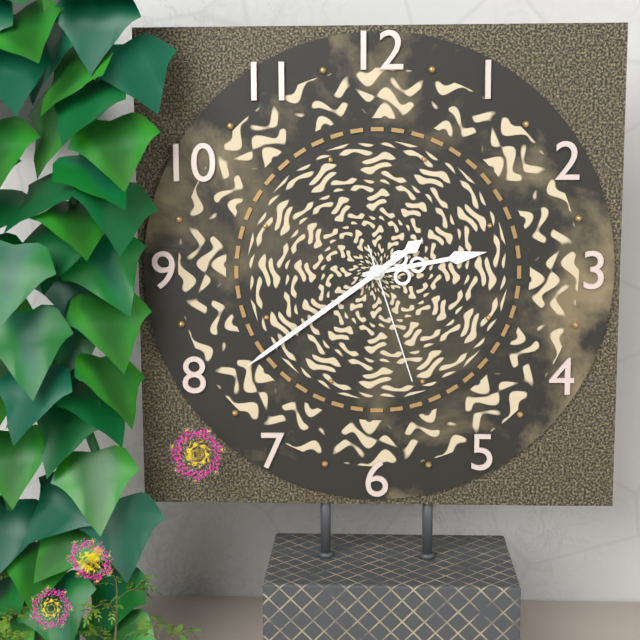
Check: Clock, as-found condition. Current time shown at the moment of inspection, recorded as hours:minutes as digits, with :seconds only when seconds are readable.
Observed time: 2:39:27
